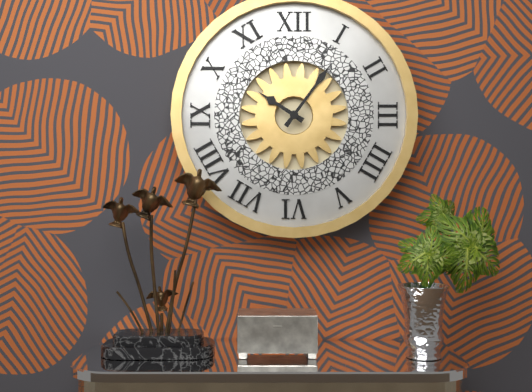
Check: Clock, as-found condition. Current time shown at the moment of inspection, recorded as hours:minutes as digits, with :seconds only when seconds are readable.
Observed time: 10:06
